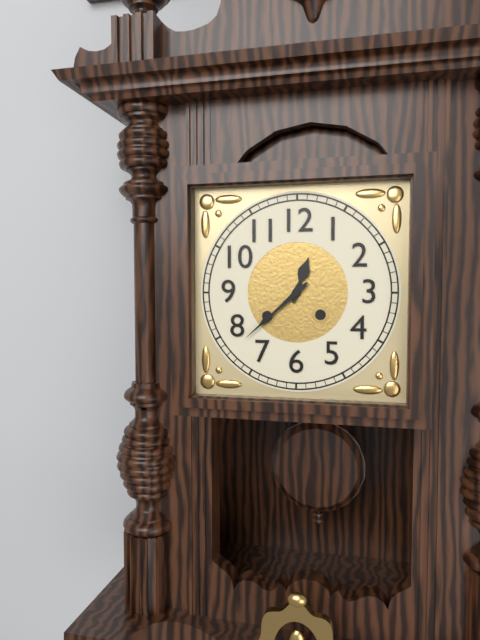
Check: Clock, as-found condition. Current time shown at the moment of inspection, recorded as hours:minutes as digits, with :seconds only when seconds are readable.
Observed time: 12:38
